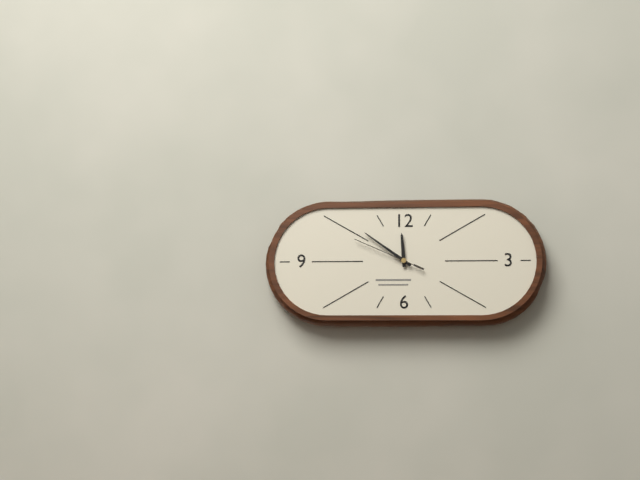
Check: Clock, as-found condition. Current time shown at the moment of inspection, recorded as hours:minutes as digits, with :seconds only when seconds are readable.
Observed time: 11:51:49
